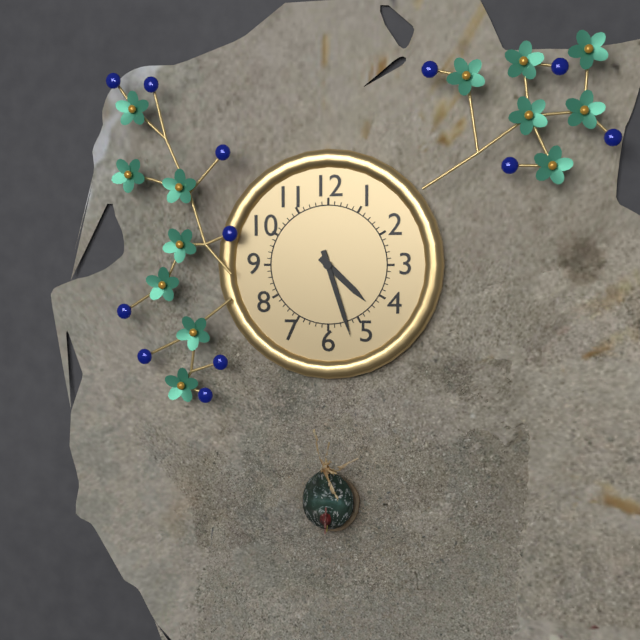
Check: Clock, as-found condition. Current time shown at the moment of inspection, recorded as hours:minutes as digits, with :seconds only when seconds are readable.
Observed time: 4:27
